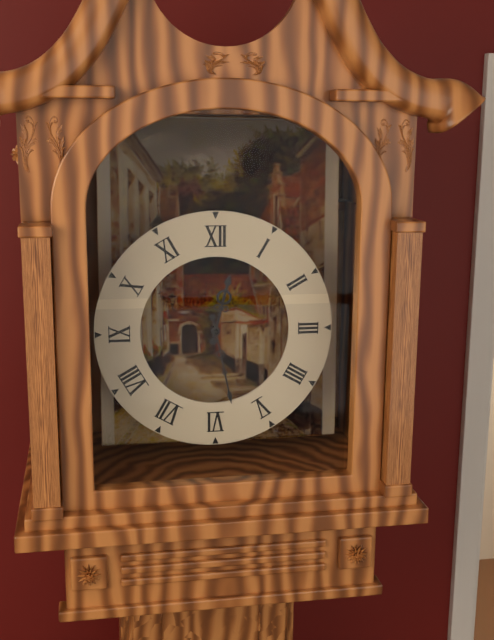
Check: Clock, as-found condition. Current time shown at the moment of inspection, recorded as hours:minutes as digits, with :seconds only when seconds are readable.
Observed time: 12:28
